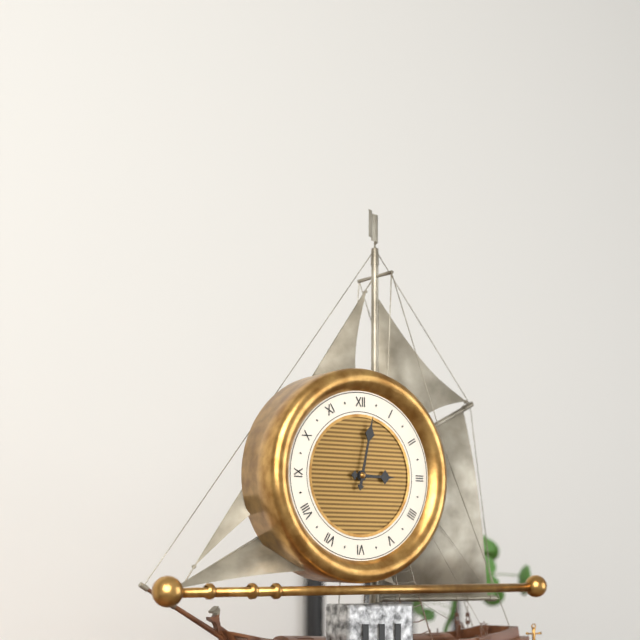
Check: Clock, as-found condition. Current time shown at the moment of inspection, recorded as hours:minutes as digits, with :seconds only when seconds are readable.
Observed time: 3:02
